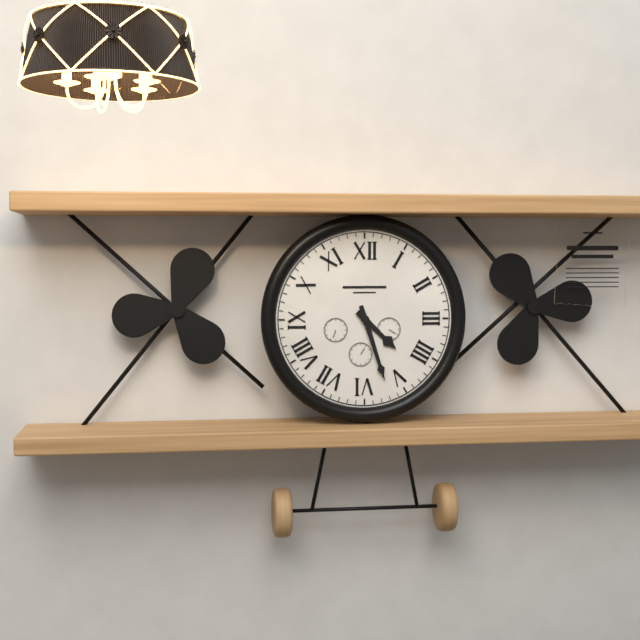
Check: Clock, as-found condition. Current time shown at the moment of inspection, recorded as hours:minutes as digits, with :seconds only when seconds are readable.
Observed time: 4:27
